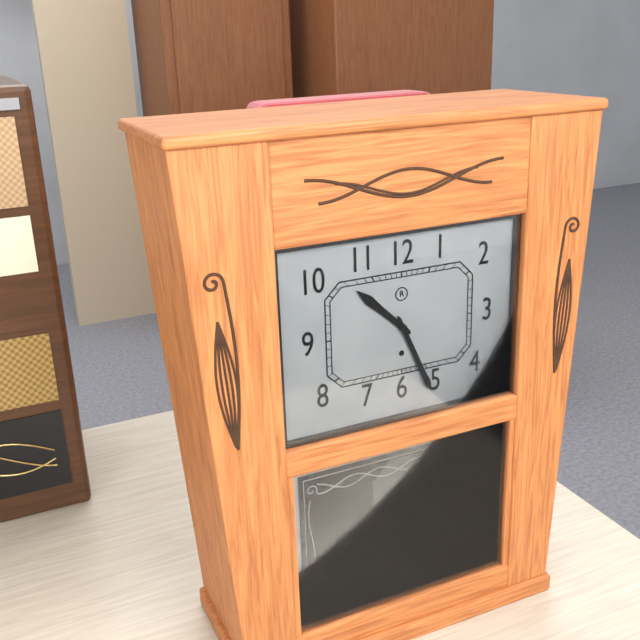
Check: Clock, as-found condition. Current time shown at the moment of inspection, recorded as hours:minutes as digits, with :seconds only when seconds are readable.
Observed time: 10:26
